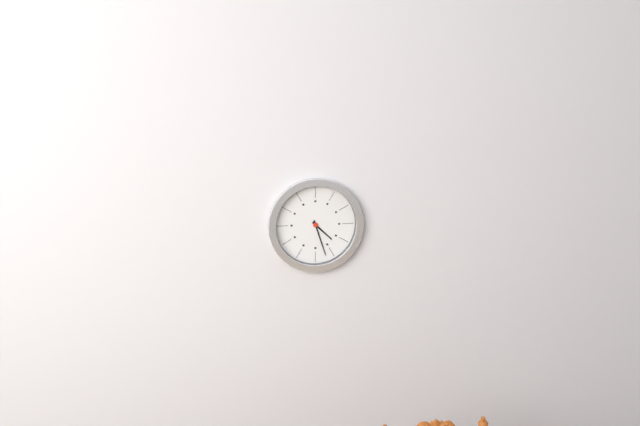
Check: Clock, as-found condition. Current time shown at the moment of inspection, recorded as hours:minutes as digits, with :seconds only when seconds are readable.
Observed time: 4:27
